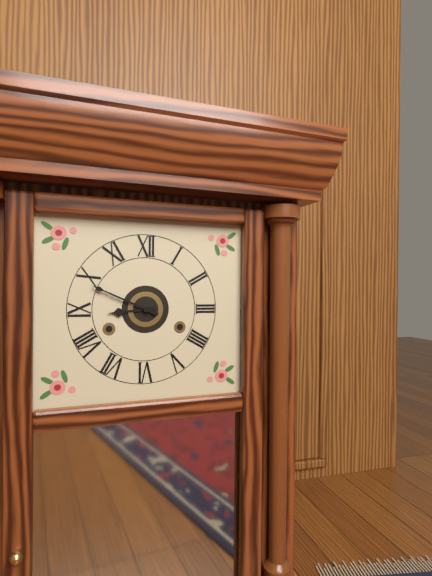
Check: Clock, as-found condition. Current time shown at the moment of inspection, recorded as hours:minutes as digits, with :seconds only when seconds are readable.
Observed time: 8:49
